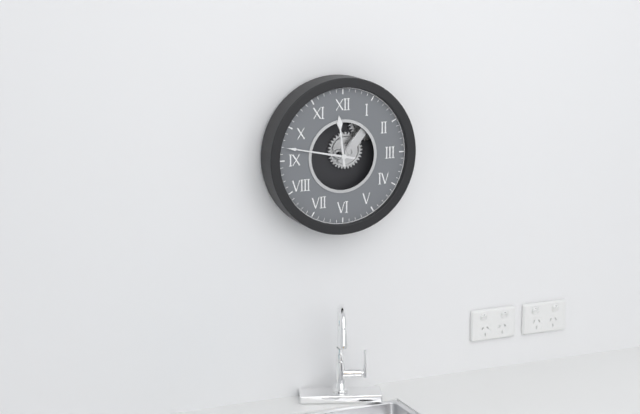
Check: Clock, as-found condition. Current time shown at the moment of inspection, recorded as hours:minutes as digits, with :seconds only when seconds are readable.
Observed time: 11:47
